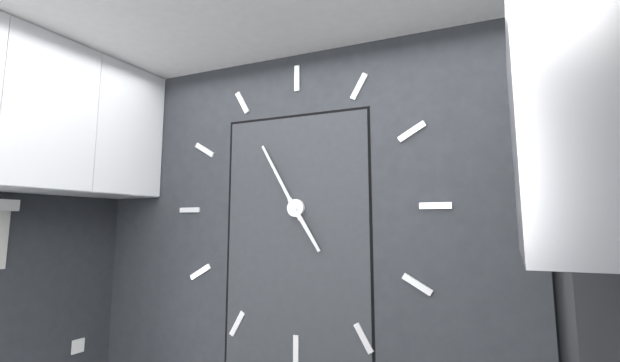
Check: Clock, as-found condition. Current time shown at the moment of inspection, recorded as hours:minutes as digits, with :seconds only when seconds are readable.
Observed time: 4:55
